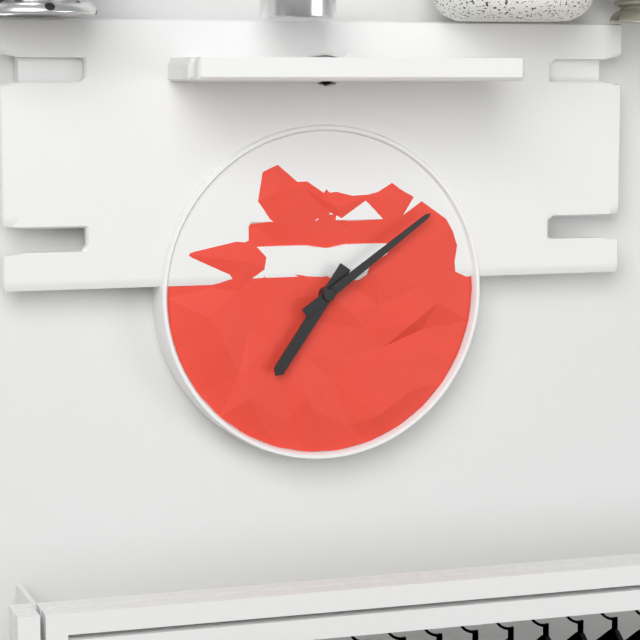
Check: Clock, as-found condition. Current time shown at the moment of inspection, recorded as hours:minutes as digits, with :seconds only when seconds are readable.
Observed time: 7:09
